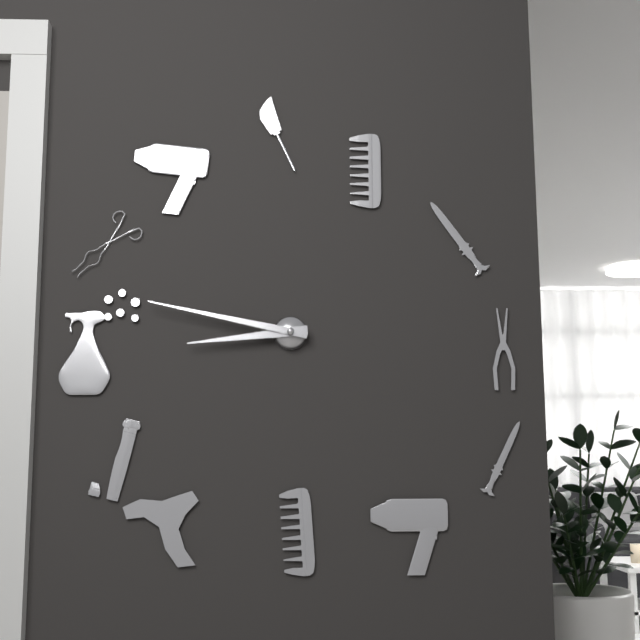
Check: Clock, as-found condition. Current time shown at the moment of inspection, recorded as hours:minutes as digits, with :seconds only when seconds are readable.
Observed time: 8:47
